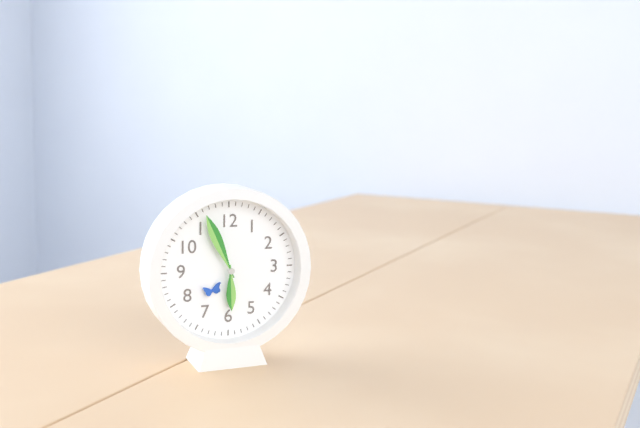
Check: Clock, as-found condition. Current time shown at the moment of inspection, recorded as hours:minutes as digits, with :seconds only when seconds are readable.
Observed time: 5:56
